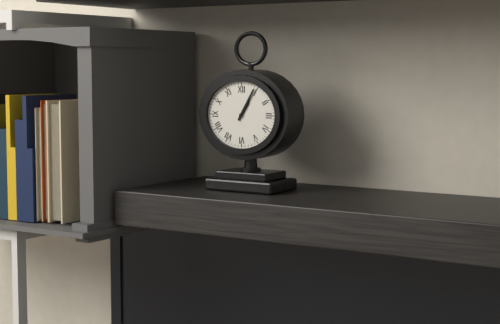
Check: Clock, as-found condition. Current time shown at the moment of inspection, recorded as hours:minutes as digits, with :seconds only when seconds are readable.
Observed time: 1:05
